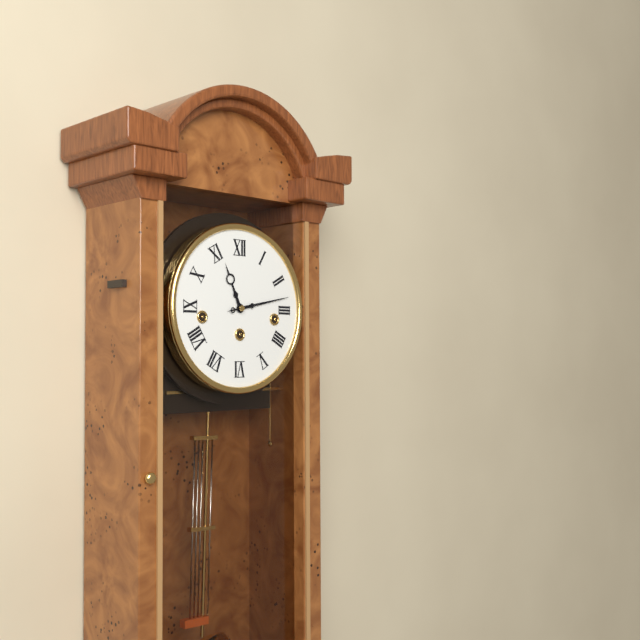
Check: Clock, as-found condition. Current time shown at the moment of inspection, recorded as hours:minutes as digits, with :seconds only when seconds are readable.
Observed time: 11:13
